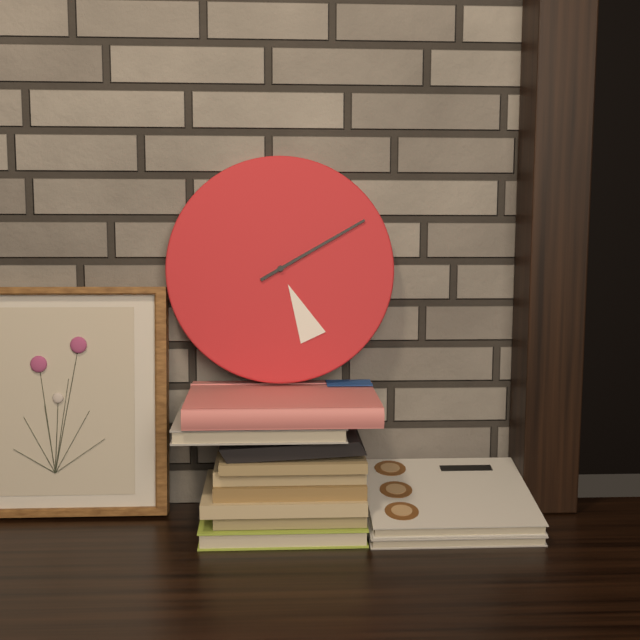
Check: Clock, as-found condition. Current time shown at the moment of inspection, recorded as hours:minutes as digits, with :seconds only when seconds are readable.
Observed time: 5:10
